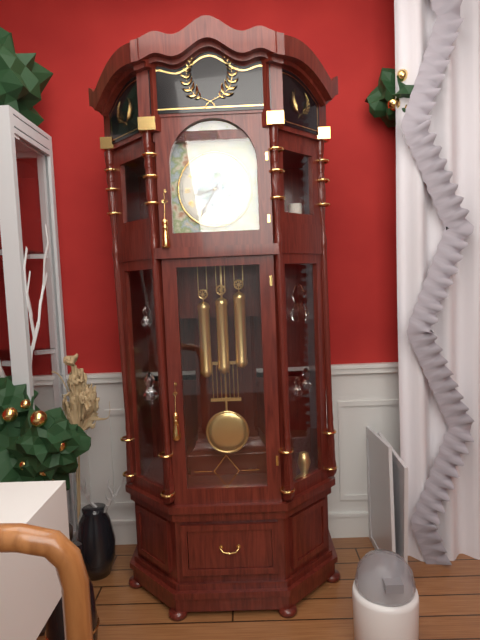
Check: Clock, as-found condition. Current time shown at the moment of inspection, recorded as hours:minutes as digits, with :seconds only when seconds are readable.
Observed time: 8:35
